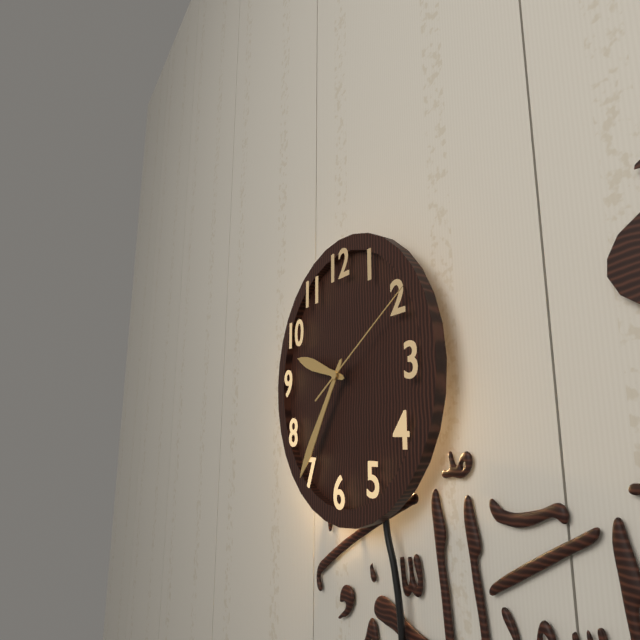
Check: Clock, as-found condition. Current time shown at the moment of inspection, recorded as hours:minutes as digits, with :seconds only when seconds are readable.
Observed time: 9:36:10
